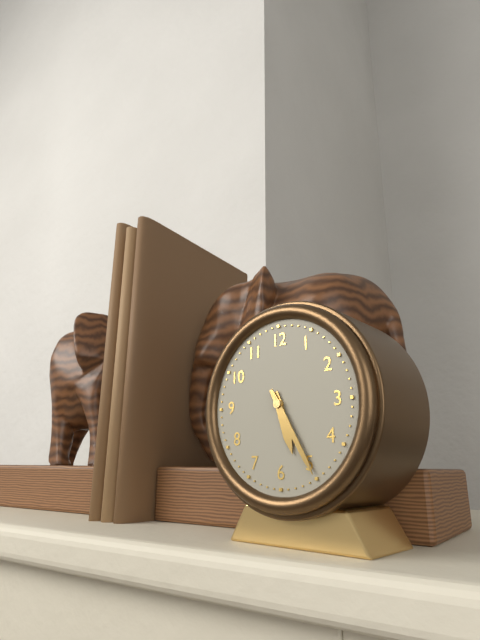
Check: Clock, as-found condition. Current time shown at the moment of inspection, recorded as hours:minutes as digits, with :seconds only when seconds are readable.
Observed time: 5:25
